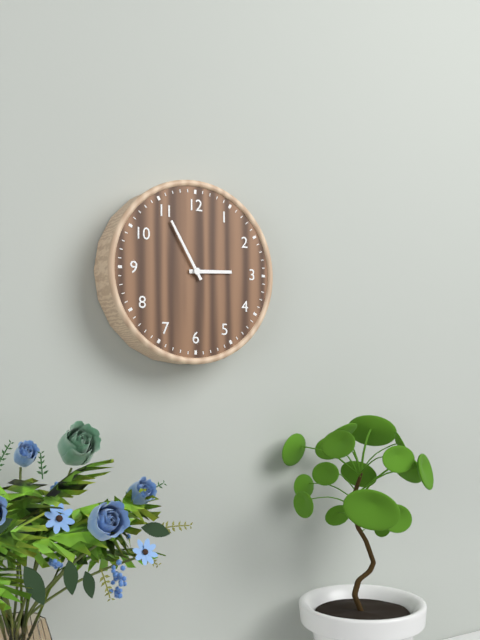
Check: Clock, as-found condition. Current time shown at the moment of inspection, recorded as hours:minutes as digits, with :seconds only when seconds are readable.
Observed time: 2:55
